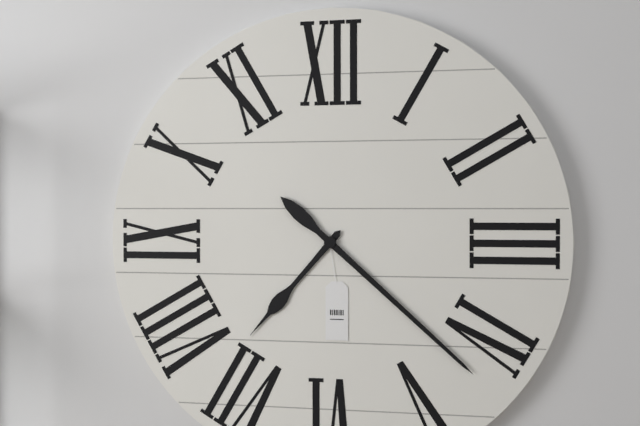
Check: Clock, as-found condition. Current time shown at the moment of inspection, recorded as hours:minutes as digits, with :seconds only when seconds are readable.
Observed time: 7:22
